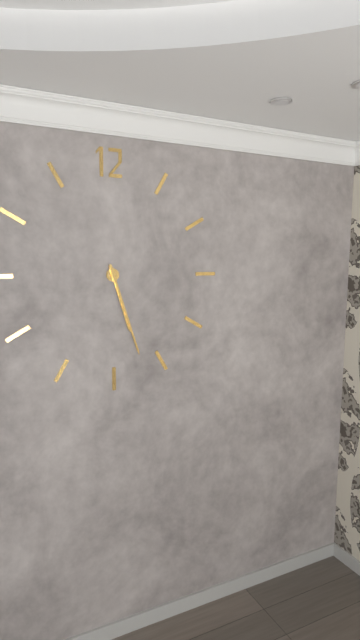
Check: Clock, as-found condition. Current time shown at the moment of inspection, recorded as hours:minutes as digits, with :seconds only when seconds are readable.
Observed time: 5:27
